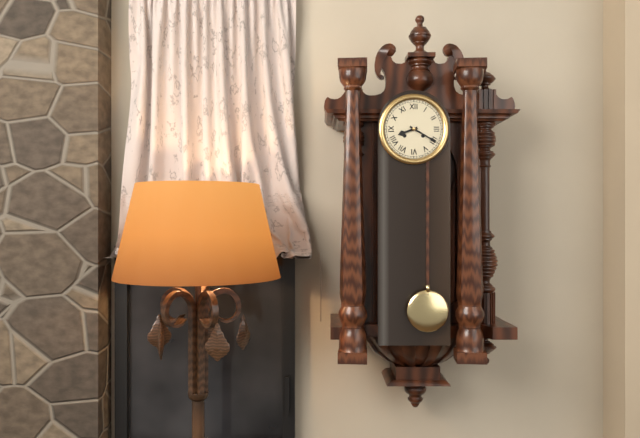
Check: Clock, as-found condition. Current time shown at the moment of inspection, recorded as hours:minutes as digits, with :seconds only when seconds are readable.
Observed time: 8:20
